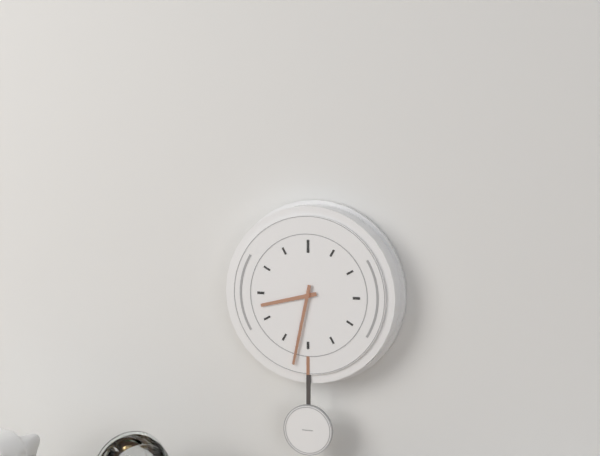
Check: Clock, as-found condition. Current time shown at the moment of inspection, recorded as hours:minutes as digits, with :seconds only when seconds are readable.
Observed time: 8:32
